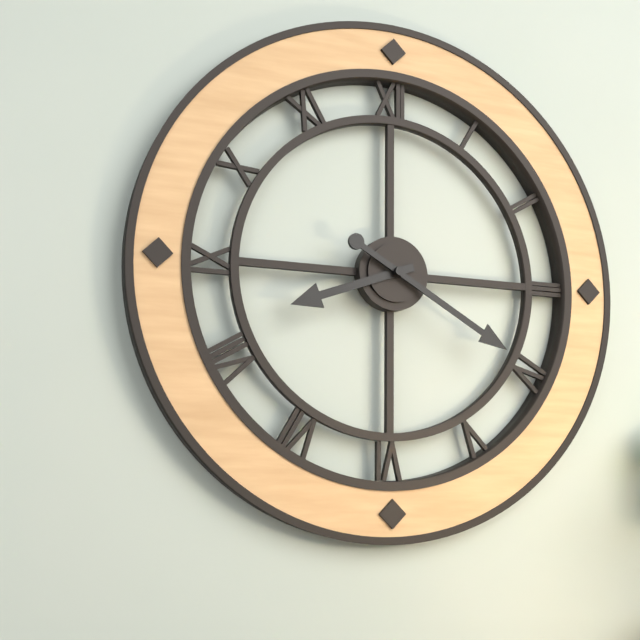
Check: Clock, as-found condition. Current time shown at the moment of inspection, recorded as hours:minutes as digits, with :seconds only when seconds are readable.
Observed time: 8:20
